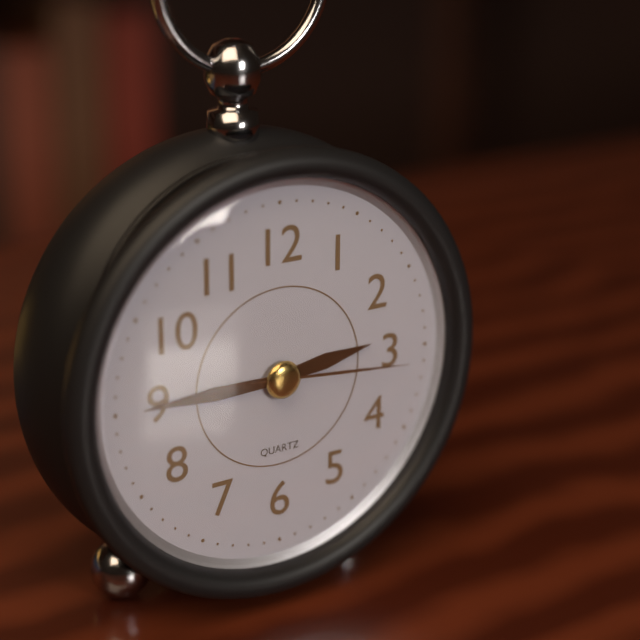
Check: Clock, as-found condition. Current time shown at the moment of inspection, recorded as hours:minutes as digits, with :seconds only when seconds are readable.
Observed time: 2:45:16
